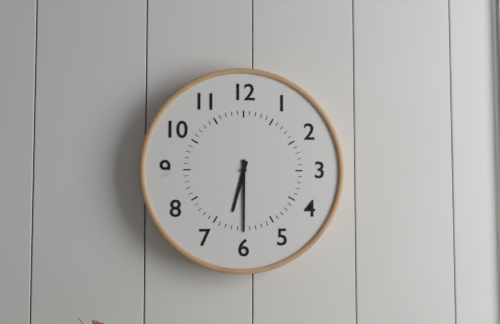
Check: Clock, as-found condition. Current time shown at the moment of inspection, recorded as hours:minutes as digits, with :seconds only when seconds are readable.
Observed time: 6:30
